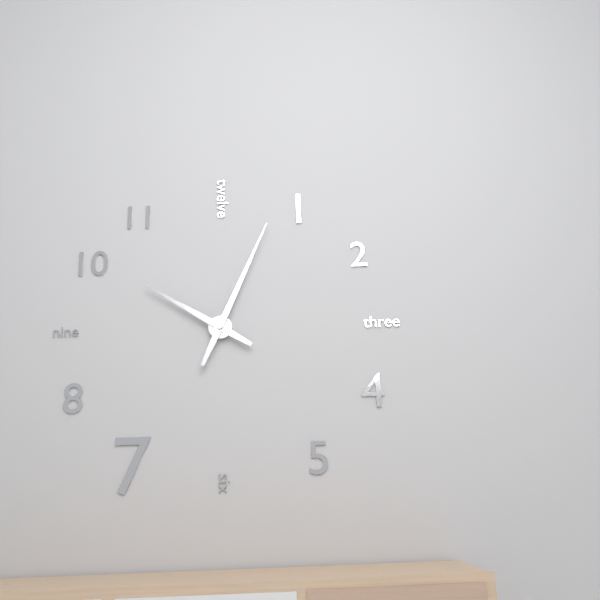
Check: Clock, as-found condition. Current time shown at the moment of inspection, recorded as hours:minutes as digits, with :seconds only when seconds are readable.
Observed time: 10:04
